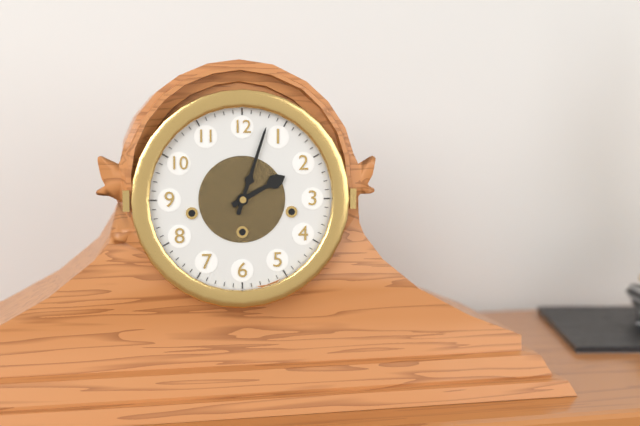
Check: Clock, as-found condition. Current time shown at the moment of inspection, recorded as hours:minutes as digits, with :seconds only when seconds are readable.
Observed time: 2:03
